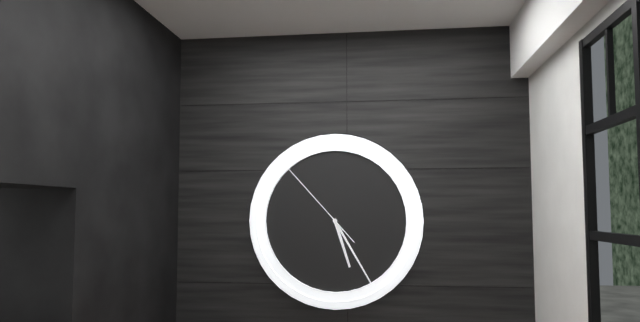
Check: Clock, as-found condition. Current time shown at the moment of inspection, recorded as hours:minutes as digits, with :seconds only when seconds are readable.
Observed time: 5:25:53
